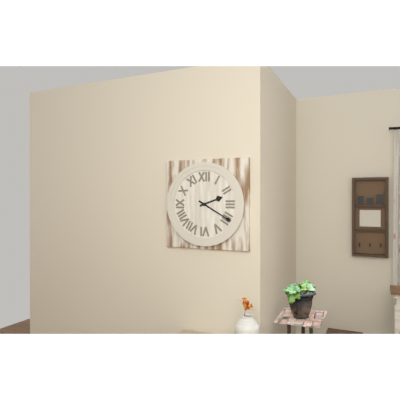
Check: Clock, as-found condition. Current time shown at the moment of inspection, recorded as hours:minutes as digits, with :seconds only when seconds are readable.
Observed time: 2:20
